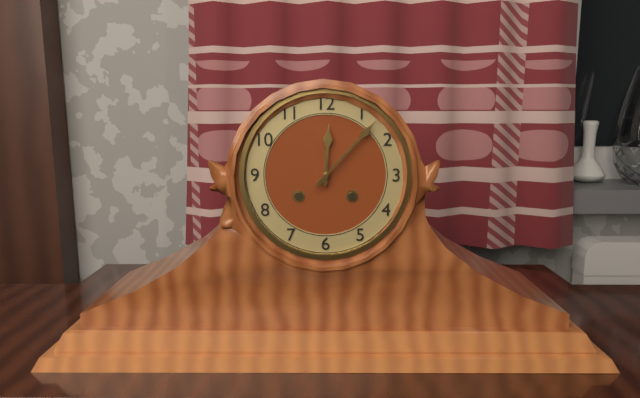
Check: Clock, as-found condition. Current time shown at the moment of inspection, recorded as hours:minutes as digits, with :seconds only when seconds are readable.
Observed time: 12:07
